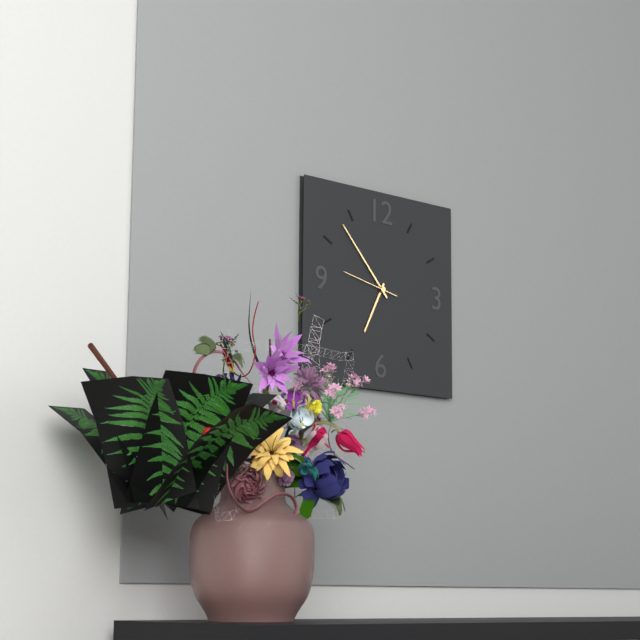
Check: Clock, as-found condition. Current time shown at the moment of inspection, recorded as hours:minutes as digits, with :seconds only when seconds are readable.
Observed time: 6:53:47
